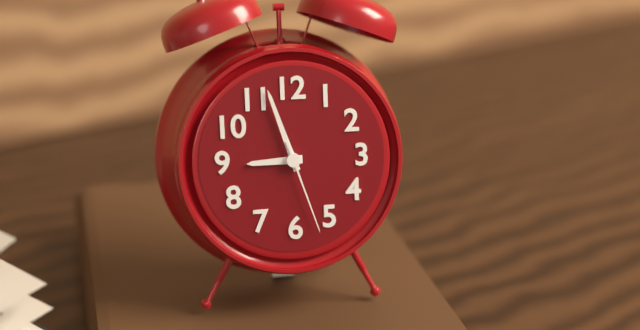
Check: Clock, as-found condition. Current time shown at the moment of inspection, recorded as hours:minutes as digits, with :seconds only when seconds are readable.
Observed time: 8:57:27
